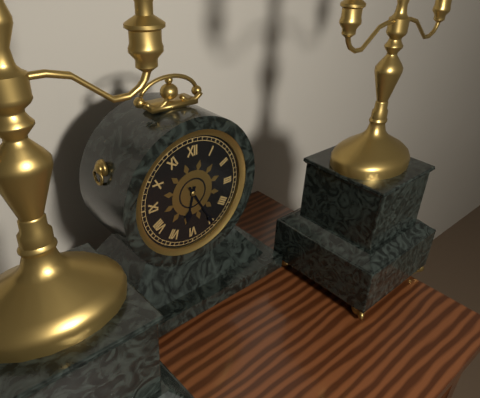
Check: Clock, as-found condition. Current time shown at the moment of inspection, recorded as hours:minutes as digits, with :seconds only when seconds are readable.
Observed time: 6:25
